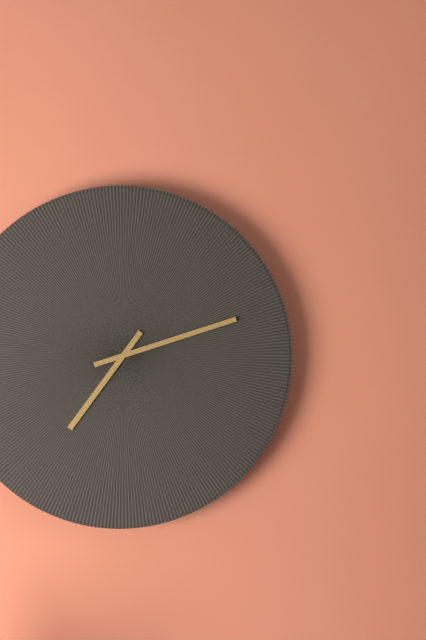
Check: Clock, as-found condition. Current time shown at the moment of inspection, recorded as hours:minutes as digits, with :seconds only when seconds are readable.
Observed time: 7:12
